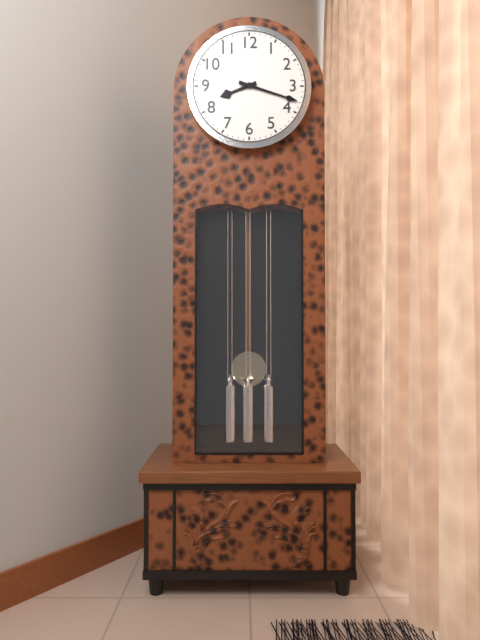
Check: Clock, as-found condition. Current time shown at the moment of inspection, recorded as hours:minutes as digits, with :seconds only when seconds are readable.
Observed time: 8:18
